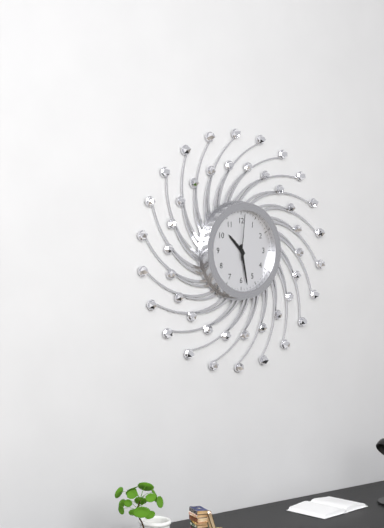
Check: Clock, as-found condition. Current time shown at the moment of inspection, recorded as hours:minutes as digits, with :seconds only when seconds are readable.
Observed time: 10:28
